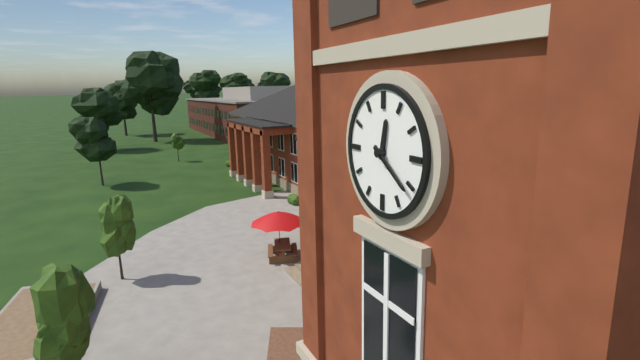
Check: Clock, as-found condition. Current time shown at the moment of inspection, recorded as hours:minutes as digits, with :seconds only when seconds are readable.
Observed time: 12:21
